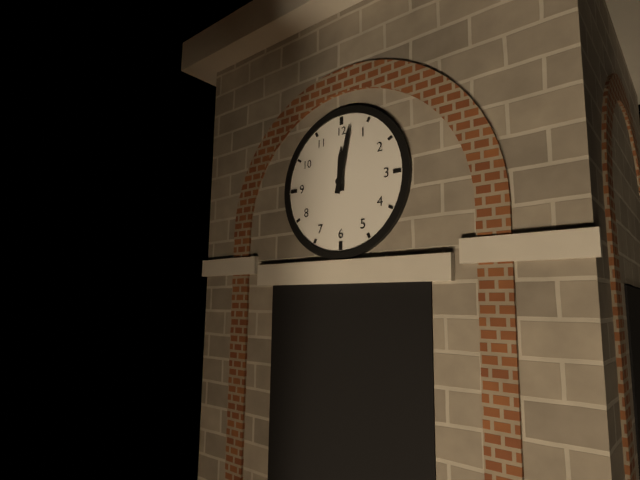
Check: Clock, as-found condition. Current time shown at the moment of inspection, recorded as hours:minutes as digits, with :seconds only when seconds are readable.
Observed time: 12:02
